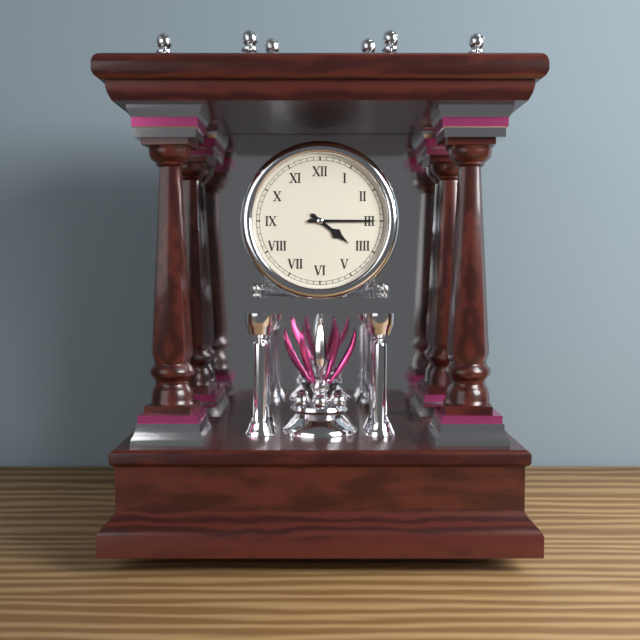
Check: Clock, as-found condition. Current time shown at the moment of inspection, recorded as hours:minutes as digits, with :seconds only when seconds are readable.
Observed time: 4:15
